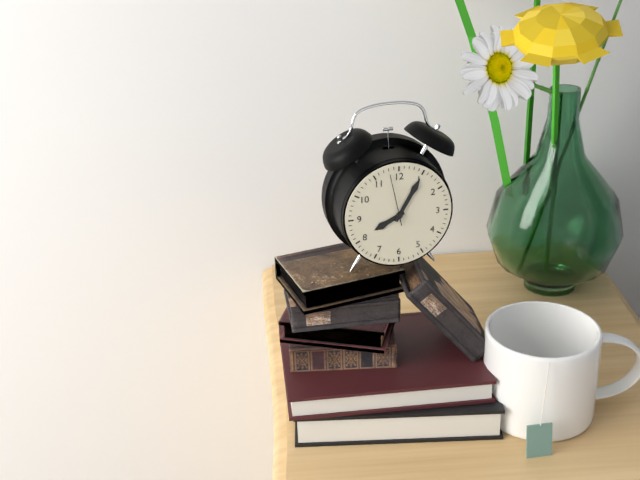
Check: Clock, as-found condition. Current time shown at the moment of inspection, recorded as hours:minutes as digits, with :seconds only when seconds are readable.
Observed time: 8:05:58
